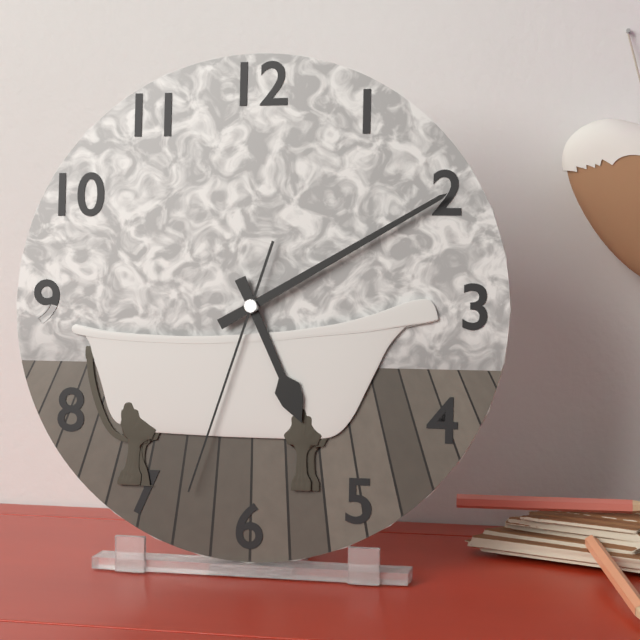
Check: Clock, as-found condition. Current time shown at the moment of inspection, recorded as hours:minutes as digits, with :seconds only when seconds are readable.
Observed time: 5:10:33
